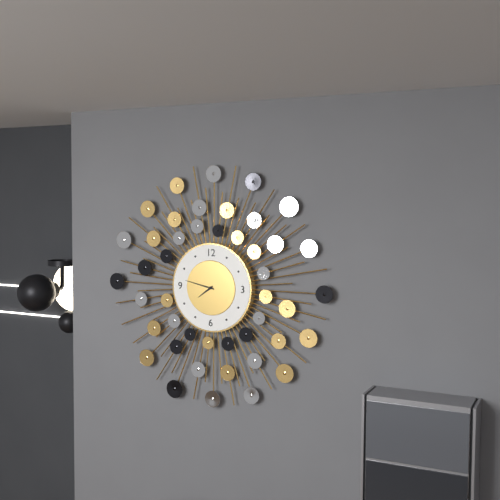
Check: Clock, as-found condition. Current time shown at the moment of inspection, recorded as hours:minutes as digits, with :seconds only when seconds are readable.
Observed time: 7:47
